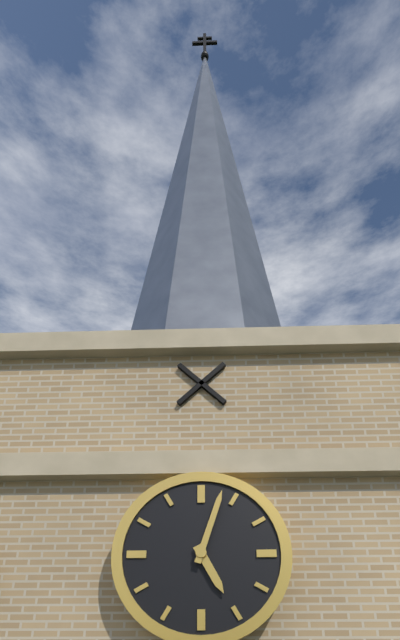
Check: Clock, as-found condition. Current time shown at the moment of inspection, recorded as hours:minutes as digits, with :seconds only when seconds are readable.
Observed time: 5:03
